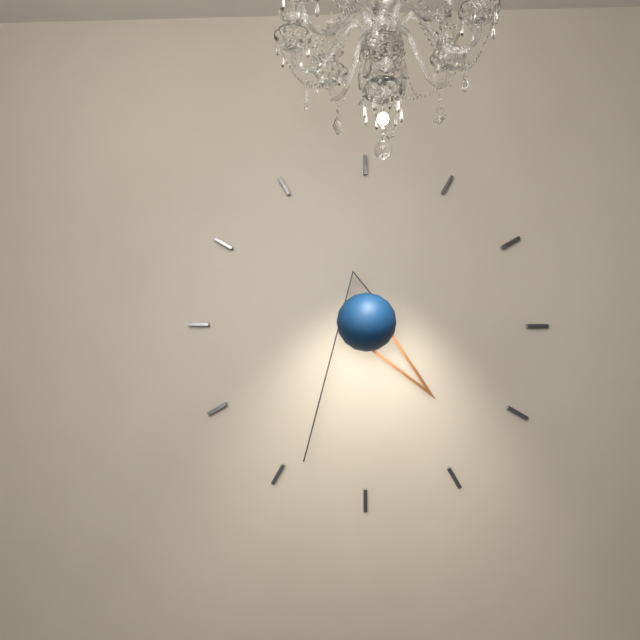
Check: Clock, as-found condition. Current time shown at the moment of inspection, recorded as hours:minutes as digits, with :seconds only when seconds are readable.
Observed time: 4:34
